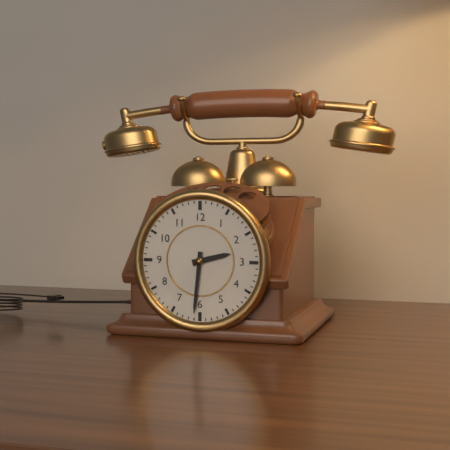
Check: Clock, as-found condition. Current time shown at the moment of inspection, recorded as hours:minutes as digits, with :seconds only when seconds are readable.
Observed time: 2:31
